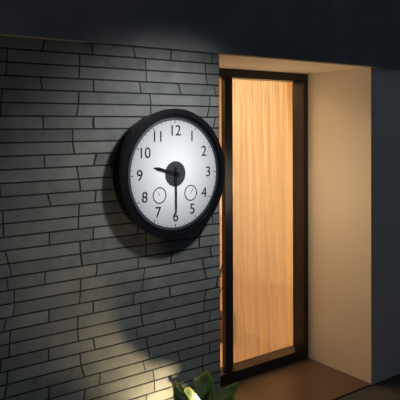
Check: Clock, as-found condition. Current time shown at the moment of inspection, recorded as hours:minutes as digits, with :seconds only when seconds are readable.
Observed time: 9:30
